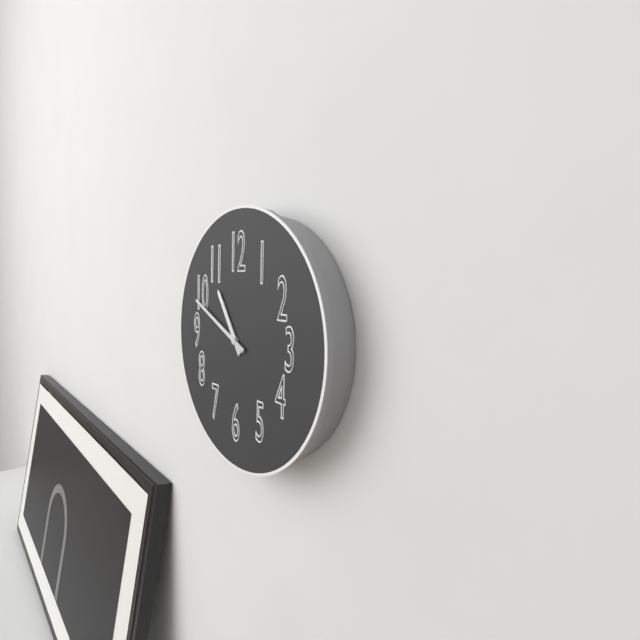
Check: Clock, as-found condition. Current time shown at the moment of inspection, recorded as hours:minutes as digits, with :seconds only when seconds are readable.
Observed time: 10:49
